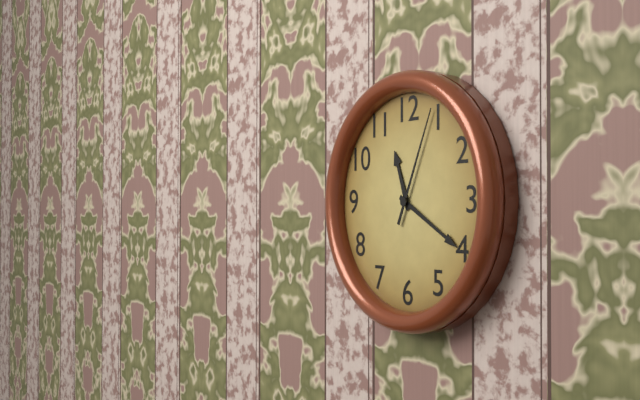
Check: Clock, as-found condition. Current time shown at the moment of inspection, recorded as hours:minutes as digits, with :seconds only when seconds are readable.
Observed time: 11:20:04
